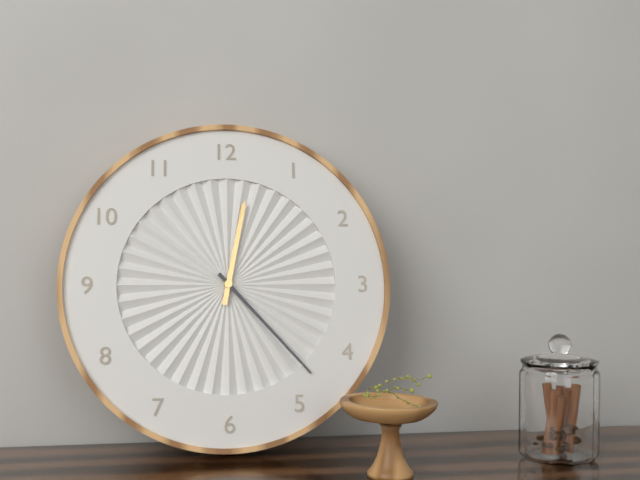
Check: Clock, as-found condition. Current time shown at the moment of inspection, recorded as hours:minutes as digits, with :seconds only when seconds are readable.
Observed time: 12:23
